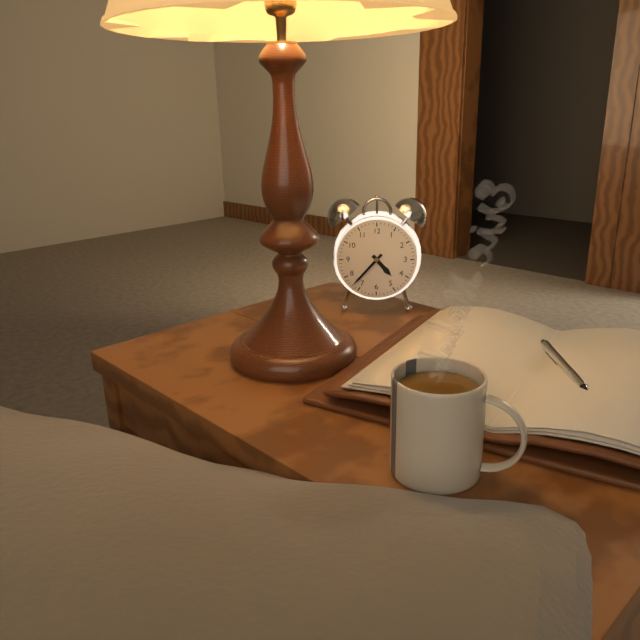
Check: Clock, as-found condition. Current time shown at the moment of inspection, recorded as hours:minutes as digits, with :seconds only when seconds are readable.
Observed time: 4:37
